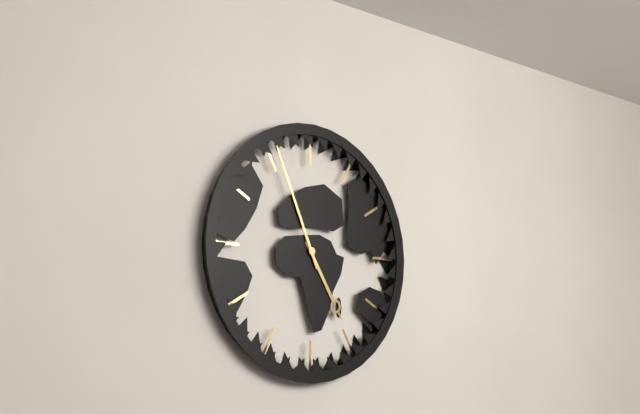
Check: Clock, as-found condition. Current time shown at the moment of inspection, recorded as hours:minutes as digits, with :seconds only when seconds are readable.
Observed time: 4:56
